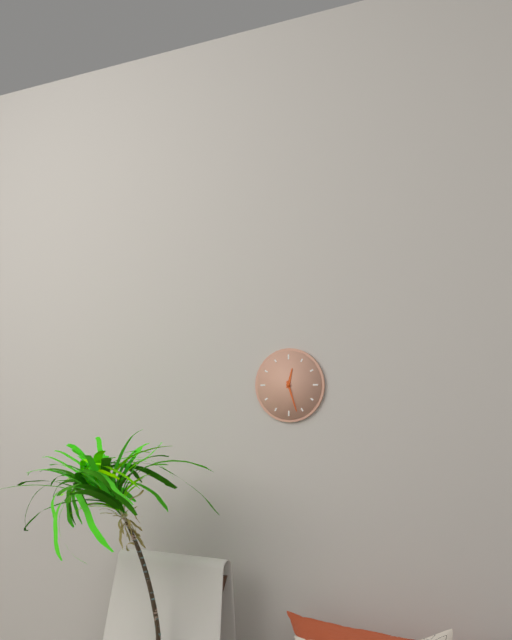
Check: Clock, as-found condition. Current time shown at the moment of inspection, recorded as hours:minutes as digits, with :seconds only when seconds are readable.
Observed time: 12:27
